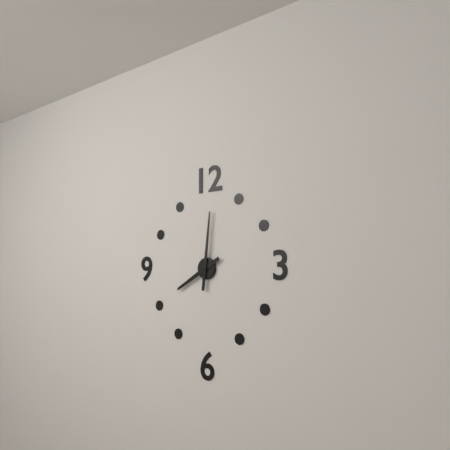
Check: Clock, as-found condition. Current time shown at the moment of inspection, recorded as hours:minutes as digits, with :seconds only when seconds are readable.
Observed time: 8:01
